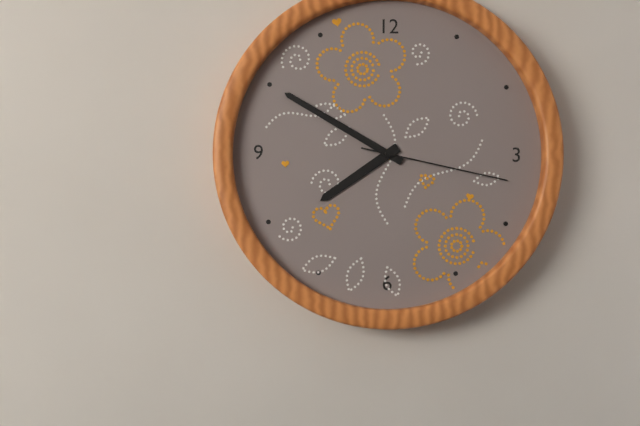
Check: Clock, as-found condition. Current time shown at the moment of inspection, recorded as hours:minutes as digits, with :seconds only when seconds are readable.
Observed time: 7:50:17
